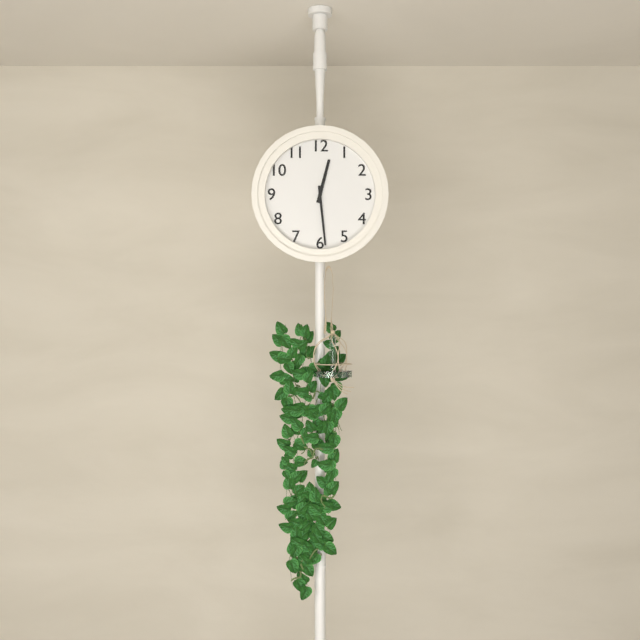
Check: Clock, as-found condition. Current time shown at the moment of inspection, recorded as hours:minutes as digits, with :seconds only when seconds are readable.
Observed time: 12:29
